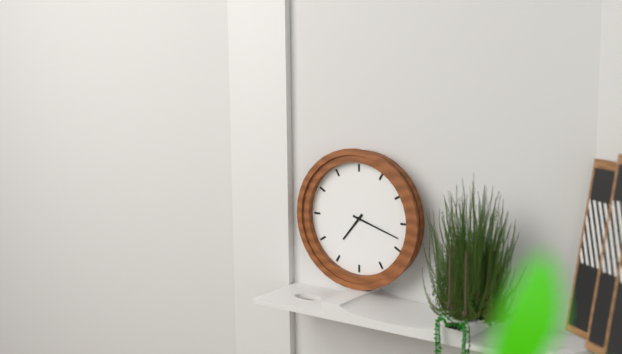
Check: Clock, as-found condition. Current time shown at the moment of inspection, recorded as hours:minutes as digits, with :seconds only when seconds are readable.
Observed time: 7:18
